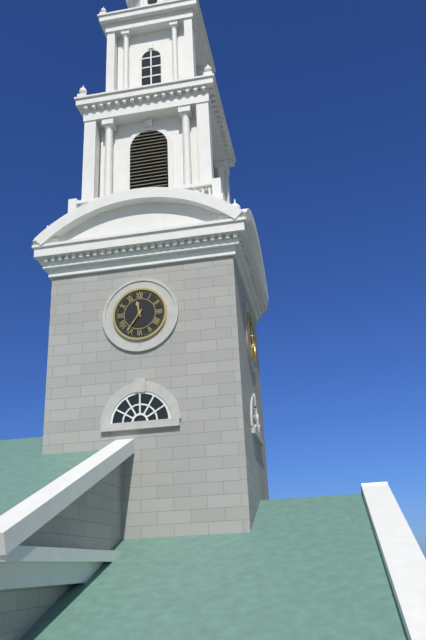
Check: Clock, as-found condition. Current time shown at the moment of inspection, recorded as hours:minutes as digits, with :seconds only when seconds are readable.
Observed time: 11:36
